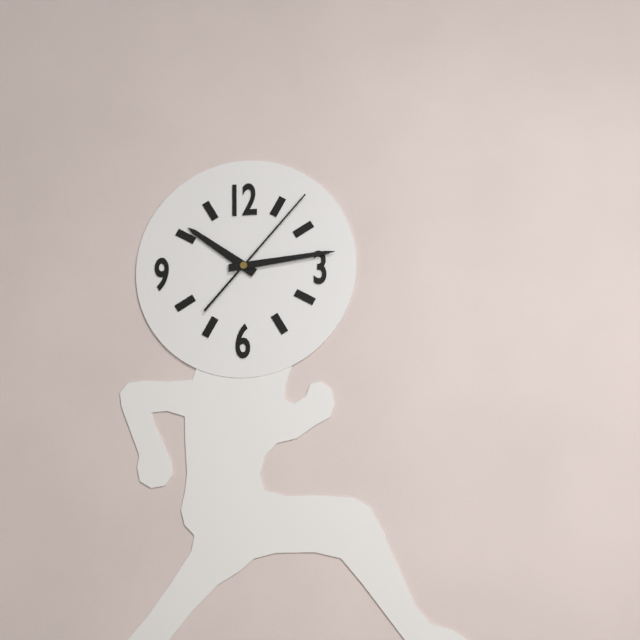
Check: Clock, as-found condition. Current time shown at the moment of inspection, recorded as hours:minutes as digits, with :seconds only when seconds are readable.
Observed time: 10:14:07
